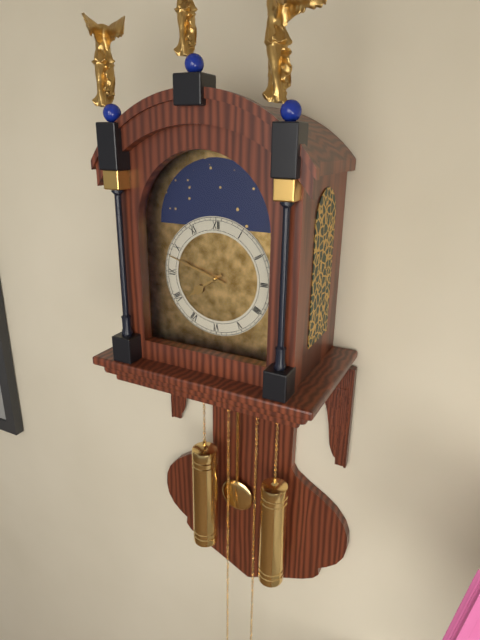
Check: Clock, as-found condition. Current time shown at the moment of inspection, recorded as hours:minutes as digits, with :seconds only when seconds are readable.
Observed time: 7:48
